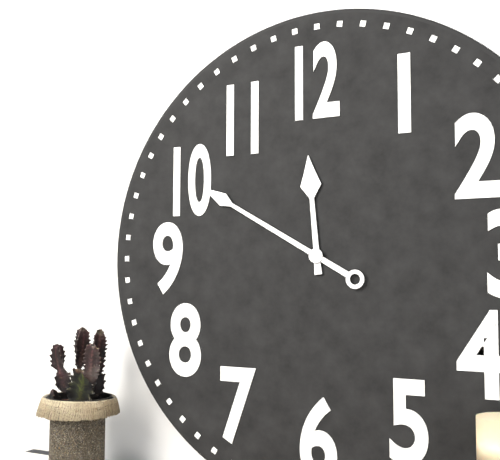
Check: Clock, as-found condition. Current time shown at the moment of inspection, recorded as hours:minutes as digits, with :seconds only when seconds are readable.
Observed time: 11:50
